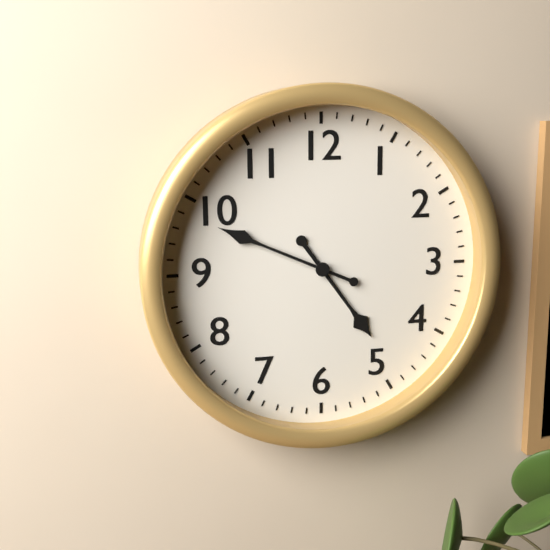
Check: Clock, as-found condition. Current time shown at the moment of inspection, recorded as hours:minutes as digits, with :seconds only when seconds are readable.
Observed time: 4:49
